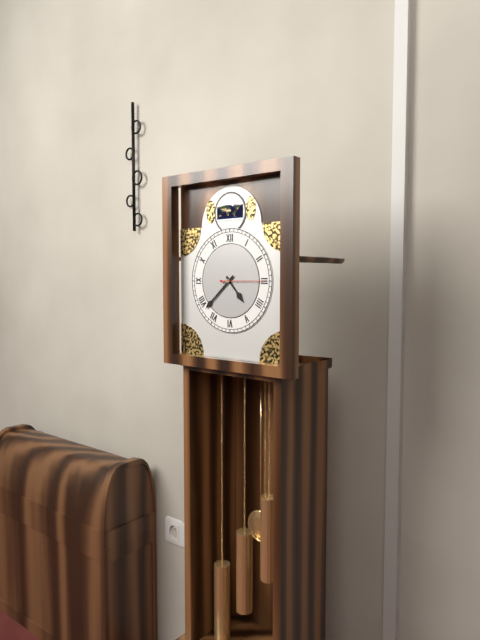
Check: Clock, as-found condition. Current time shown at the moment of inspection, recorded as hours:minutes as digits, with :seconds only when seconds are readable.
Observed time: 4:38
